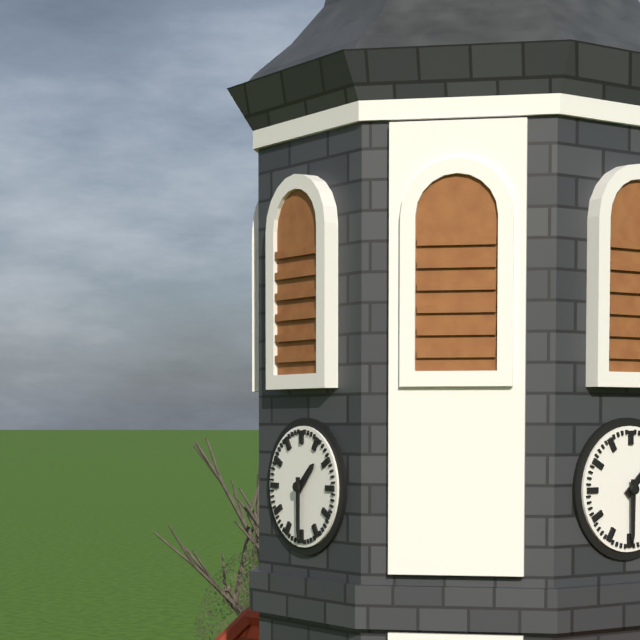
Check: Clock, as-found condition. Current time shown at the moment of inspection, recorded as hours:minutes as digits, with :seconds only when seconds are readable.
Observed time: 1:30
